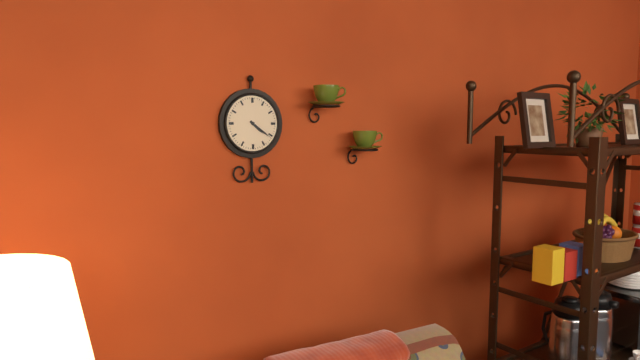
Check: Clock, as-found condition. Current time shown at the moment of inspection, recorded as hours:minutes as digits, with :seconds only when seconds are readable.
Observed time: 4:21
